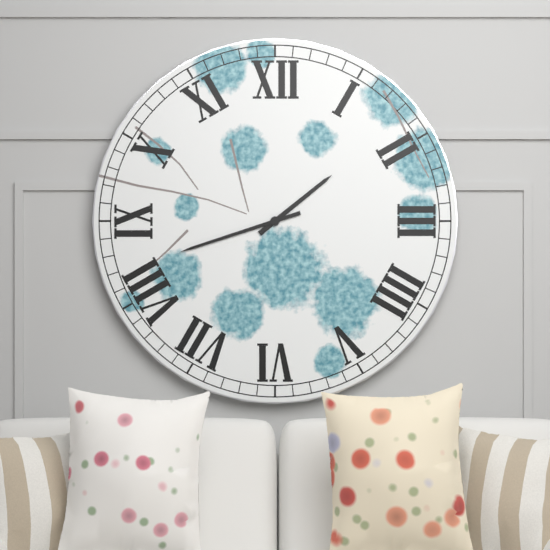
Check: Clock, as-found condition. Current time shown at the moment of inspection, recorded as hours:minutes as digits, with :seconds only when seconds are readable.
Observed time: 1:42
